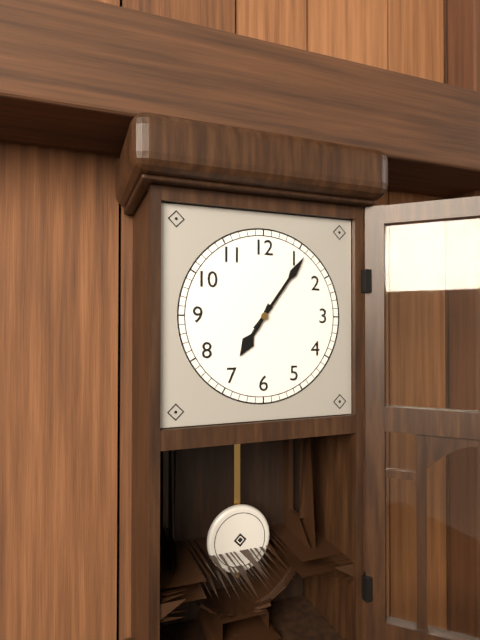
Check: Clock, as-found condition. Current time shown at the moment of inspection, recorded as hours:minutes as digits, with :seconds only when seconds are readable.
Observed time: 7:06
